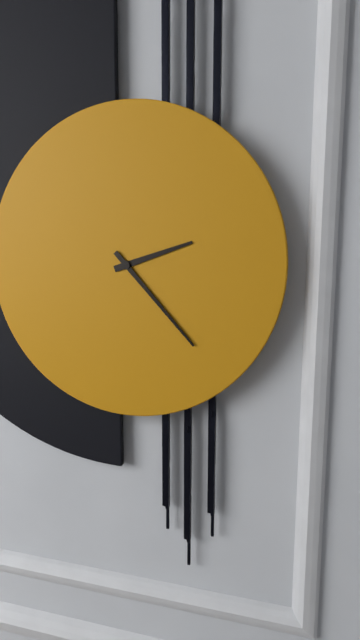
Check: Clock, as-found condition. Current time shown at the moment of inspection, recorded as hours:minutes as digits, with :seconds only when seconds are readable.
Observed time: 2:23
